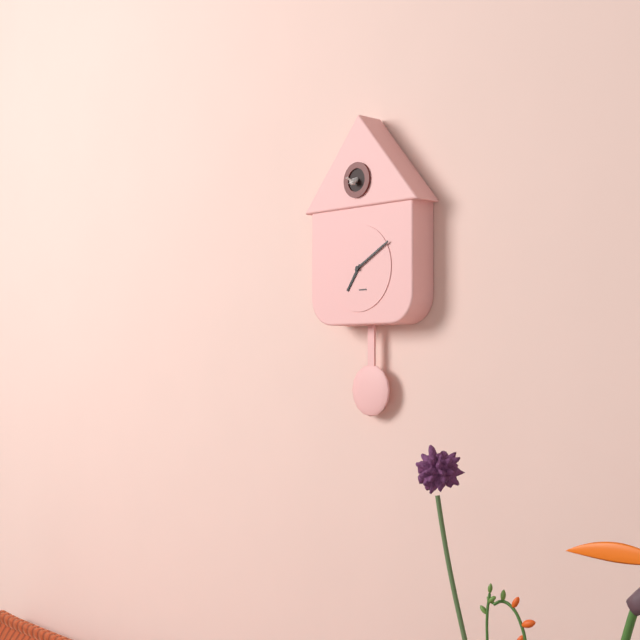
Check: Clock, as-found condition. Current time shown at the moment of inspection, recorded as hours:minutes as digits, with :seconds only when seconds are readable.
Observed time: 7:10
